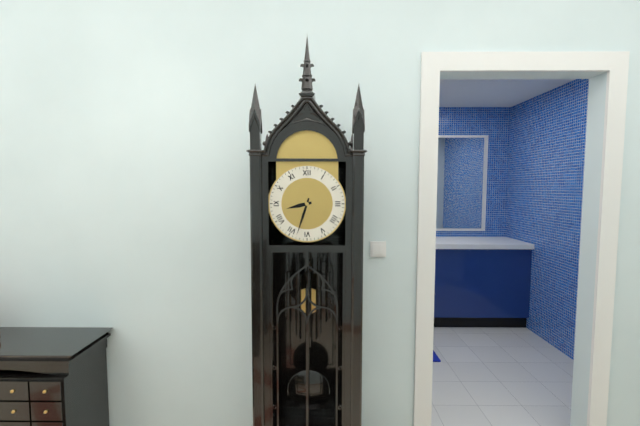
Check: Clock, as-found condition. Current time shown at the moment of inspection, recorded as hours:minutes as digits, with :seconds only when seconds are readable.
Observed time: 8:33
